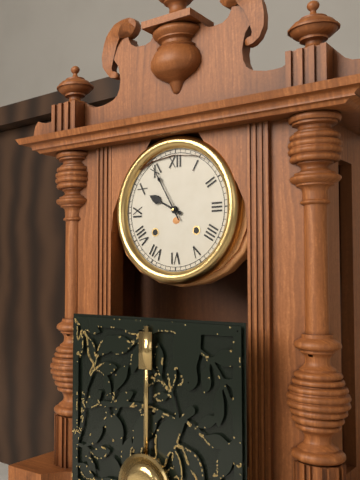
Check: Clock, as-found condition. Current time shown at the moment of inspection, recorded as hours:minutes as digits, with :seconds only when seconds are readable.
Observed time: 9:55
